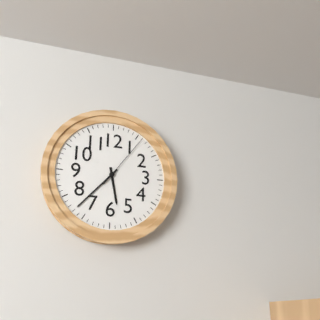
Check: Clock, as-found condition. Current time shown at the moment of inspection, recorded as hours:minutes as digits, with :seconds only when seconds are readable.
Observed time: 5:37:06
